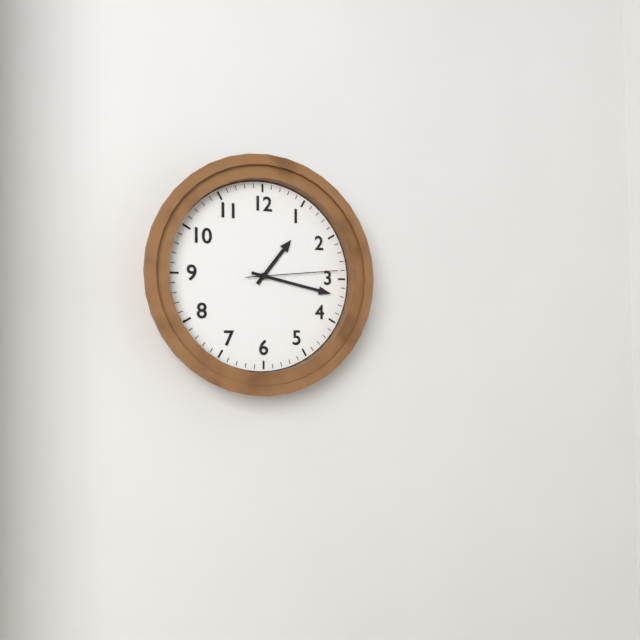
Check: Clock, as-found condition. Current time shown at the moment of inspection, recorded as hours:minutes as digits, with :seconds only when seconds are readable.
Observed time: 1:17:14
